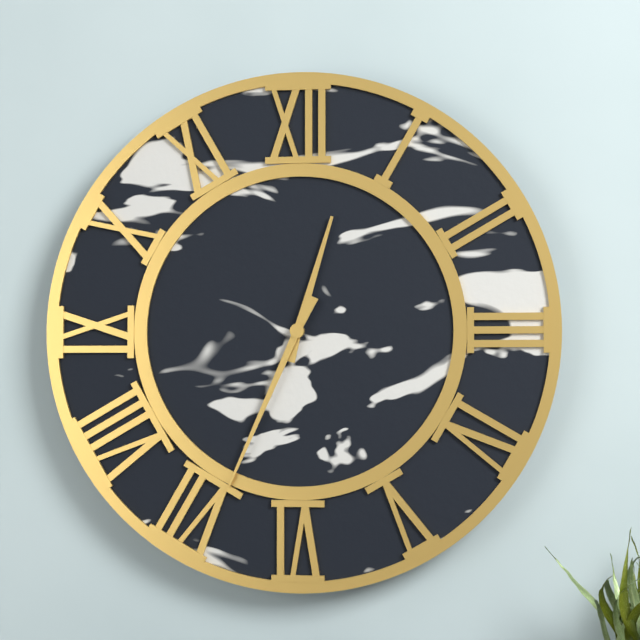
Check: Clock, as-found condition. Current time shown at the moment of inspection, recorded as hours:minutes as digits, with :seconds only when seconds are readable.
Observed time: 12:34
